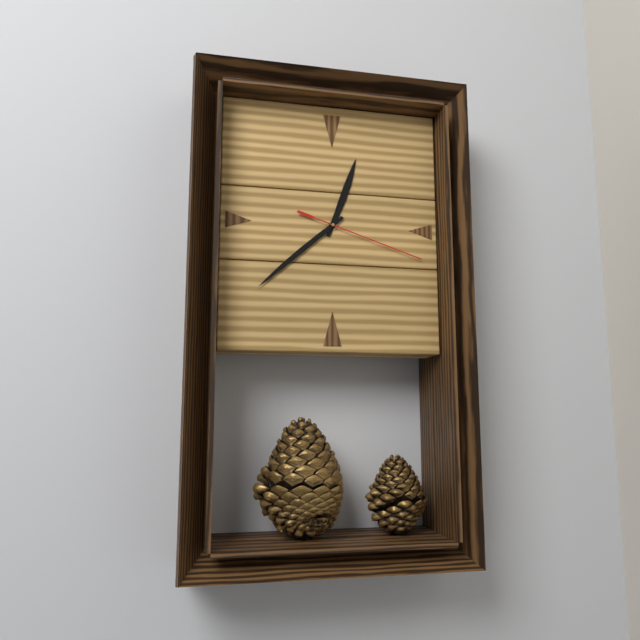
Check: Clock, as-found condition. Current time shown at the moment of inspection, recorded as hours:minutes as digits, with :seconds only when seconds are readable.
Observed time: 12:38:18
